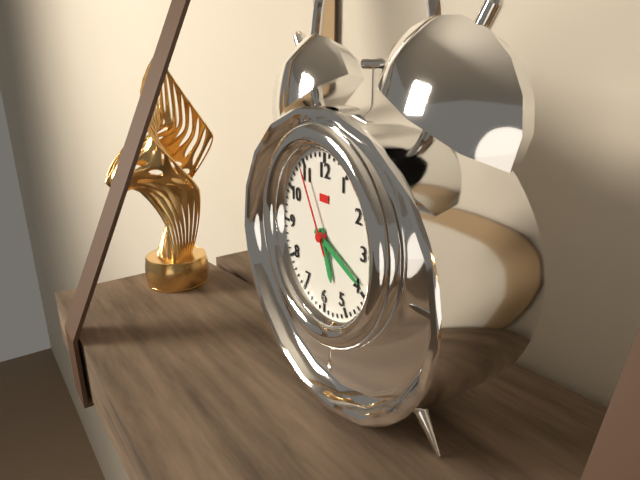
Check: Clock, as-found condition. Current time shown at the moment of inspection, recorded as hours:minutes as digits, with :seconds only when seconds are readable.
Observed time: 5:19:55
